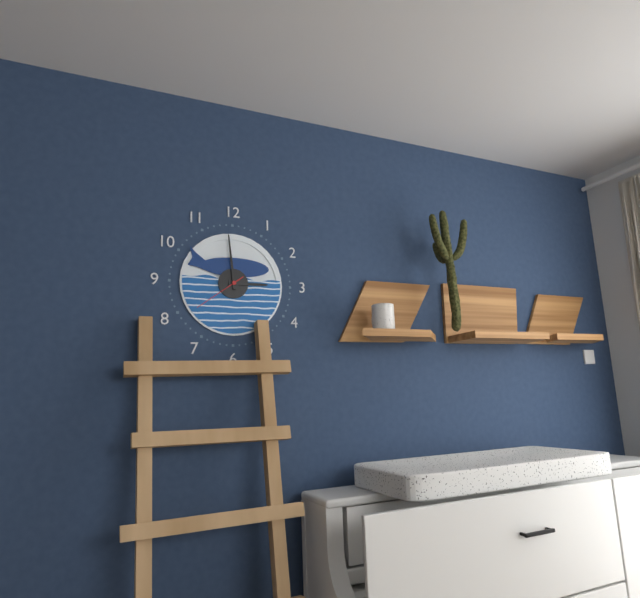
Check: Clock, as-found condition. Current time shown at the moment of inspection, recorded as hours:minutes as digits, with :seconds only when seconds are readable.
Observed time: 2:59:39
